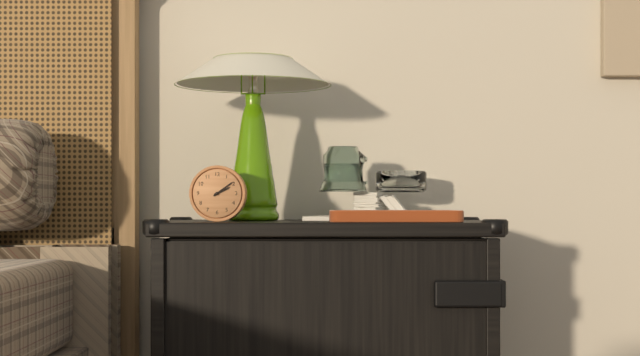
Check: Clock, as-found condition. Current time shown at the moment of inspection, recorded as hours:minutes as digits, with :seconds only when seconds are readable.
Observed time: 2:09
